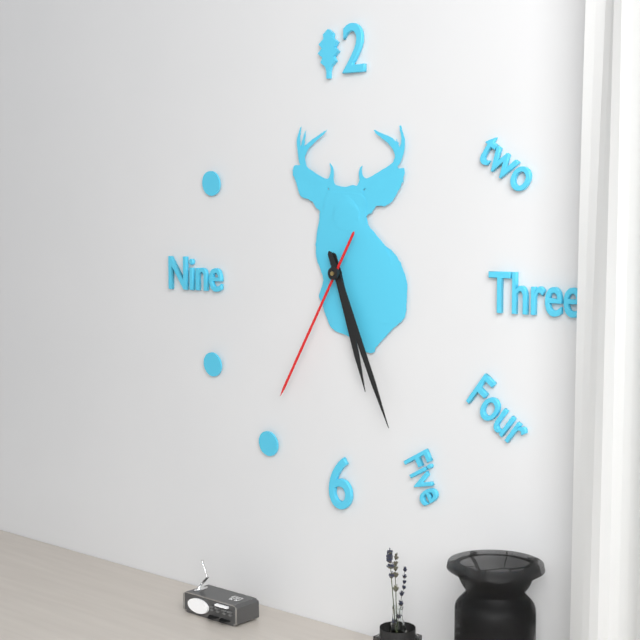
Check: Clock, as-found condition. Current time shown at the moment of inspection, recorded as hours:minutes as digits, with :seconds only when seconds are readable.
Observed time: 5:26:35
